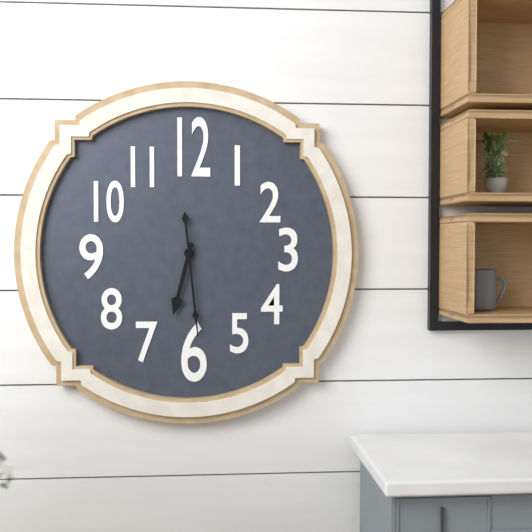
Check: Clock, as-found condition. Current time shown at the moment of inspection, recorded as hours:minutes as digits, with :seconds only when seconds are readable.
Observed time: 6:29
